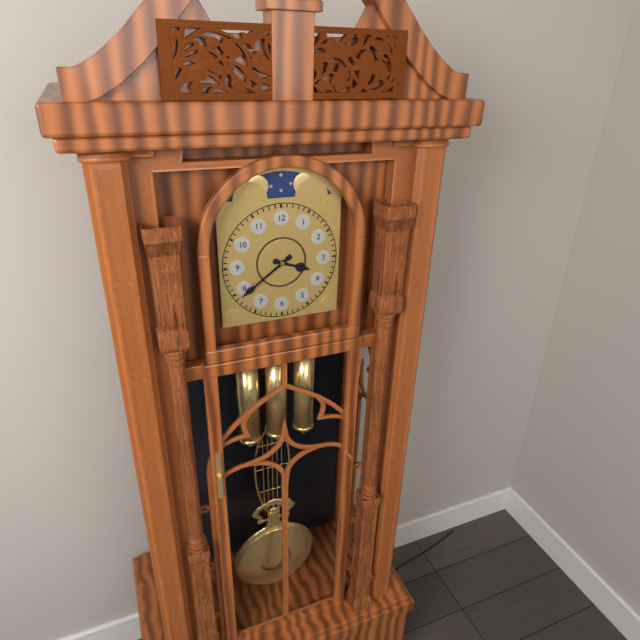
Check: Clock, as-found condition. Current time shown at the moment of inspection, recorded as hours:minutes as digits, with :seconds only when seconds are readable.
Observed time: 3:39
